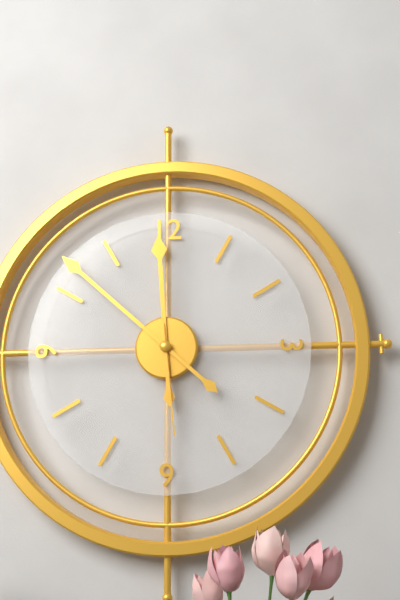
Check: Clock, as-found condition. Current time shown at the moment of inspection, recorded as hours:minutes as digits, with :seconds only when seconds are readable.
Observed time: 11:52:29
